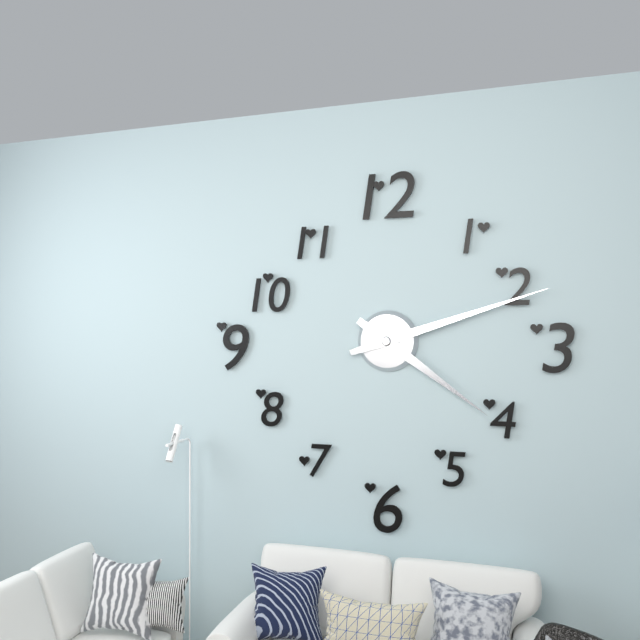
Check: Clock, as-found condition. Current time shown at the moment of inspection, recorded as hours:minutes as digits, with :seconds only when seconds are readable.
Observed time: 4:12
